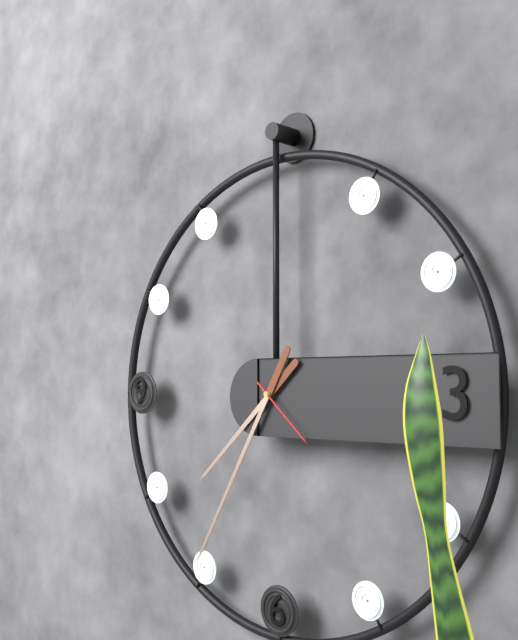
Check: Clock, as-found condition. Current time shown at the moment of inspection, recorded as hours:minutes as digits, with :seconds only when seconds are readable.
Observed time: 7:35:22
